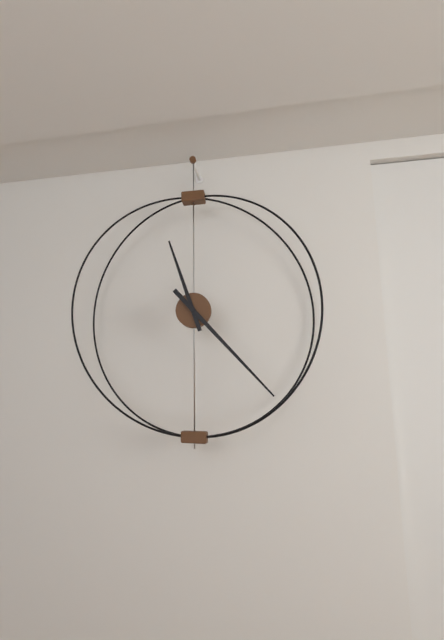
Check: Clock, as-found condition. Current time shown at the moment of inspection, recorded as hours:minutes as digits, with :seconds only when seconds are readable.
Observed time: 11:23
